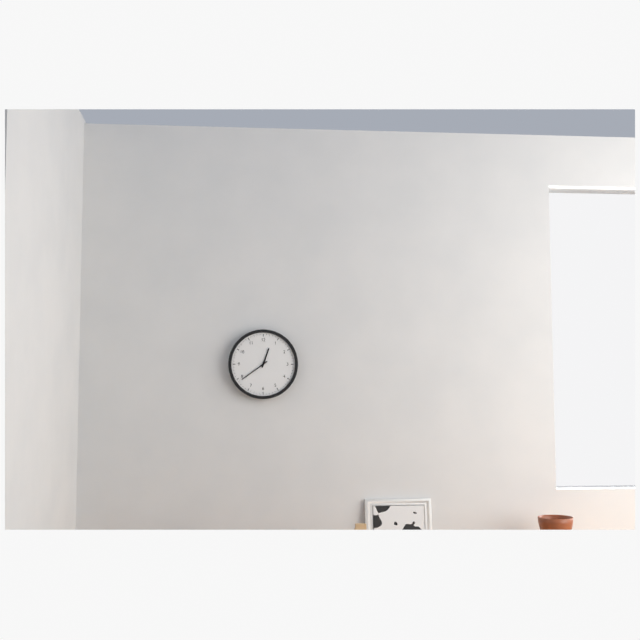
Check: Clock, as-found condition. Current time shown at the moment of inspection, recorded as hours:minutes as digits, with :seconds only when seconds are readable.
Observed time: 12:39
